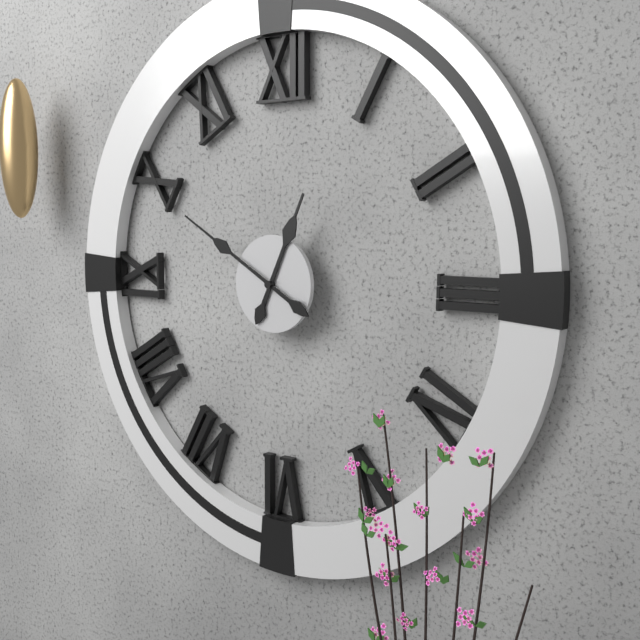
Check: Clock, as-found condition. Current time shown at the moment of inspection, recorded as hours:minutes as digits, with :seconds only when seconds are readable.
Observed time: 12:50
